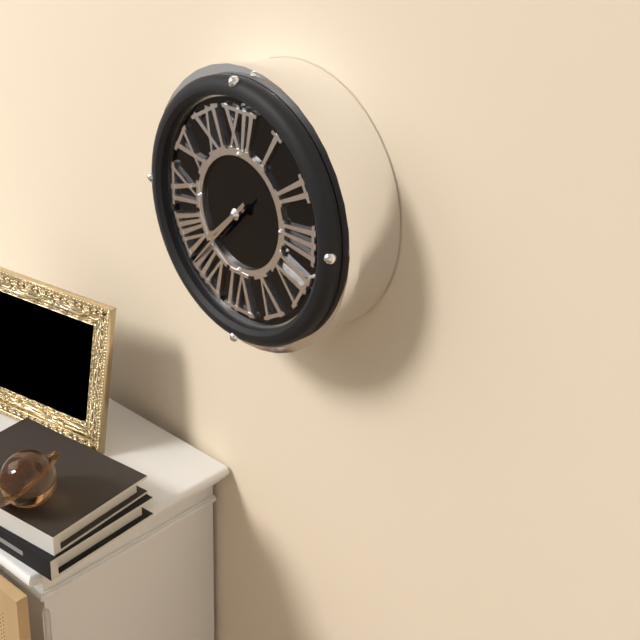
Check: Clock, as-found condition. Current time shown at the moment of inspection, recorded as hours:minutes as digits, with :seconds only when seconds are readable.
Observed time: 7:37
